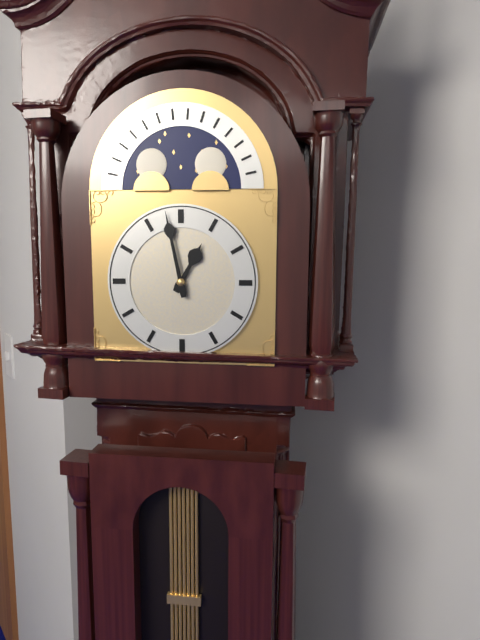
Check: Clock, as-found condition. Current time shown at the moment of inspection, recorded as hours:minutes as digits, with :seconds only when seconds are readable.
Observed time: 12:58
